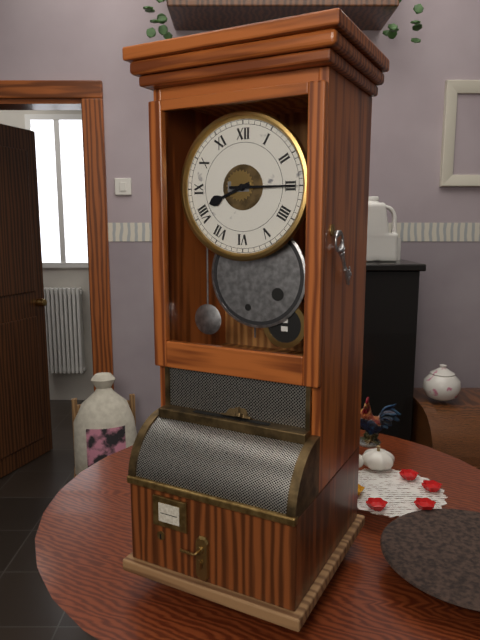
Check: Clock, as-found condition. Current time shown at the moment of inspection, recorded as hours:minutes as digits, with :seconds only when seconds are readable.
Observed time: 8:15
